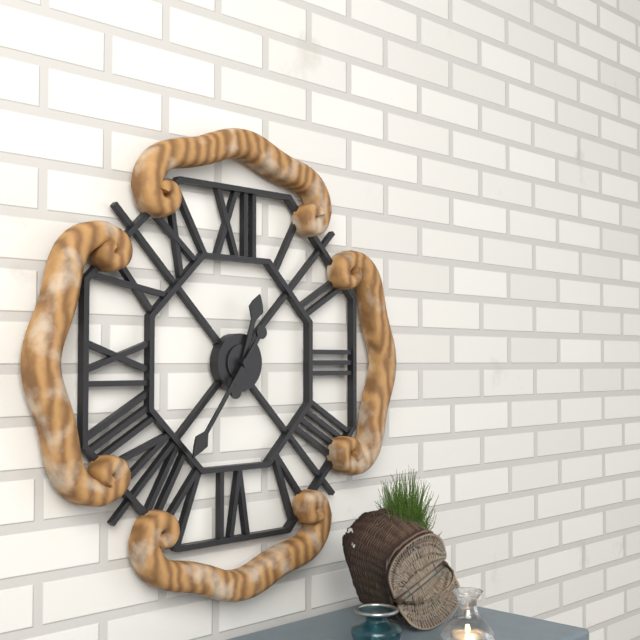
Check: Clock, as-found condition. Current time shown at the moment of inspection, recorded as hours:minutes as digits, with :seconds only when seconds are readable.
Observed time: 12:36
